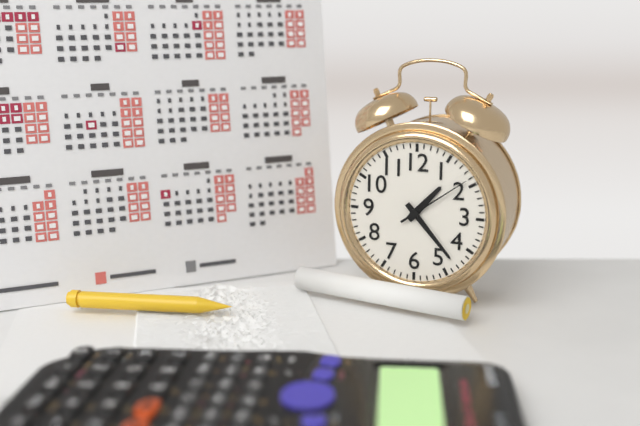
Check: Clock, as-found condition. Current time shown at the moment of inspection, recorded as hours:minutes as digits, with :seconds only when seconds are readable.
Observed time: 1:23:09
